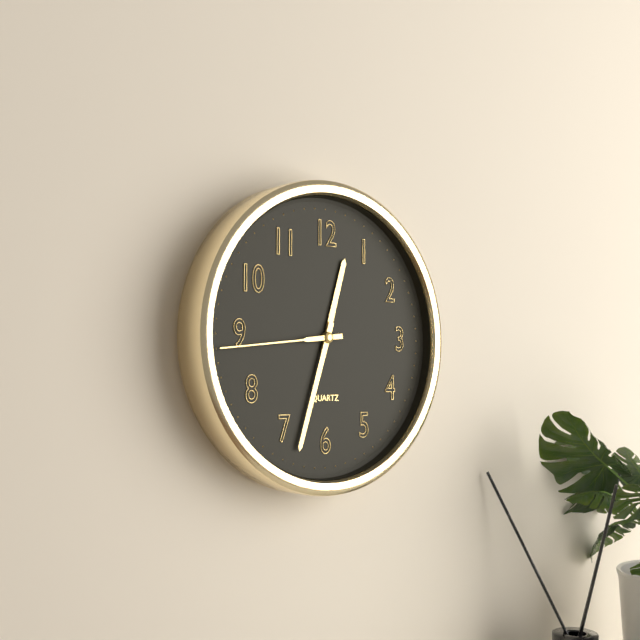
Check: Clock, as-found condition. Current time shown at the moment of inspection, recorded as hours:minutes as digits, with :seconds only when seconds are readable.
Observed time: 12:33:44
